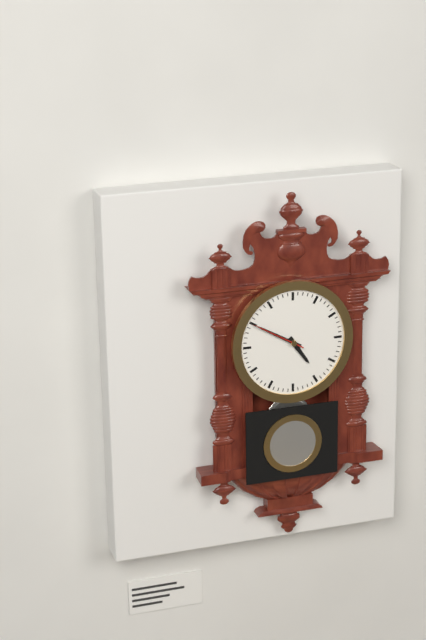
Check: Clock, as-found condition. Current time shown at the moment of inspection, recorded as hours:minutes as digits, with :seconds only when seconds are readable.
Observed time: 4:50:50
